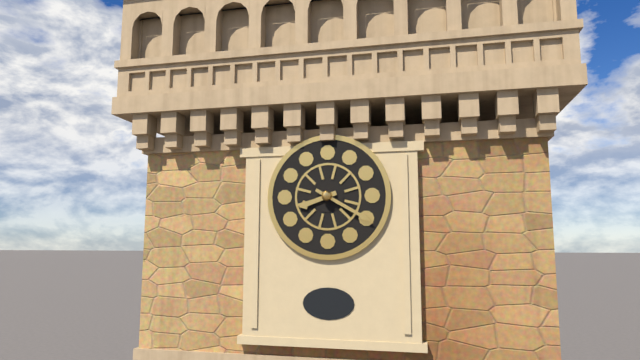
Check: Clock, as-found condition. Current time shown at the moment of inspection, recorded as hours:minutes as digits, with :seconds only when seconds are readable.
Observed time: 8:20
